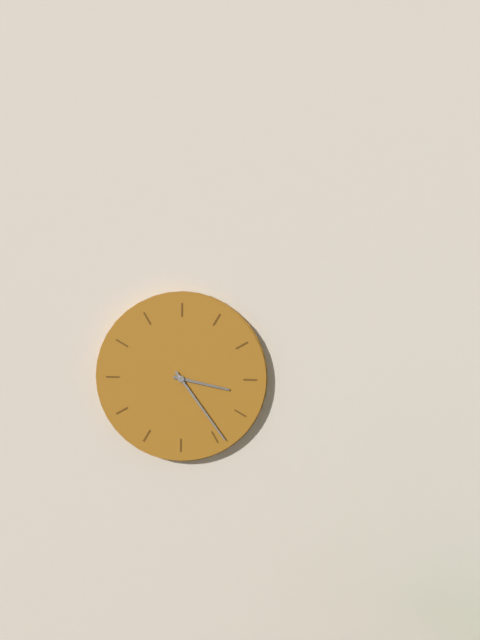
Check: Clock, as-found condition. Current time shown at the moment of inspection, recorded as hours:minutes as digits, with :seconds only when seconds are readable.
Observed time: 3:24
